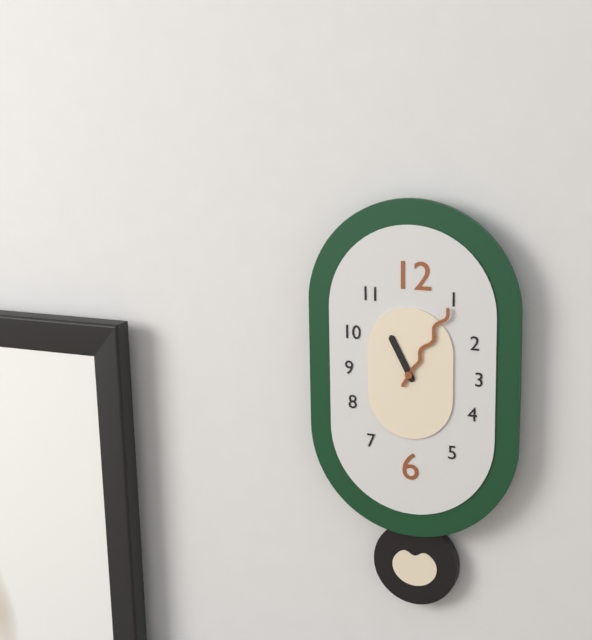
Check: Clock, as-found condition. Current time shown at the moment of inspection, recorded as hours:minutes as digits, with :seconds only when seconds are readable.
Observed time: 11:05
